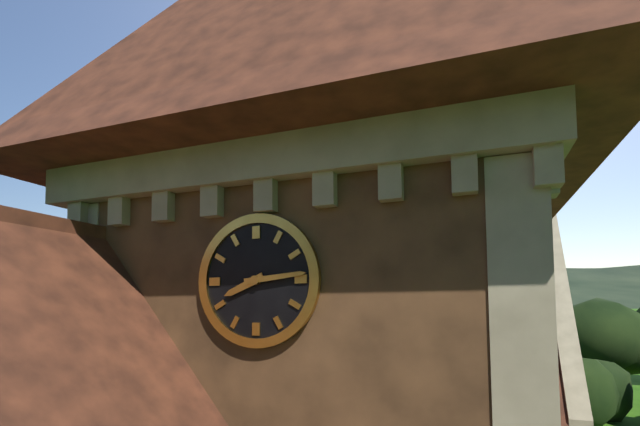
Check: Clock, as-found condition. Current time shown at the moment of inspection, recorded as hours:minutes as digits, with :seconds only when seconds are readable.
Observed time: 8:14
